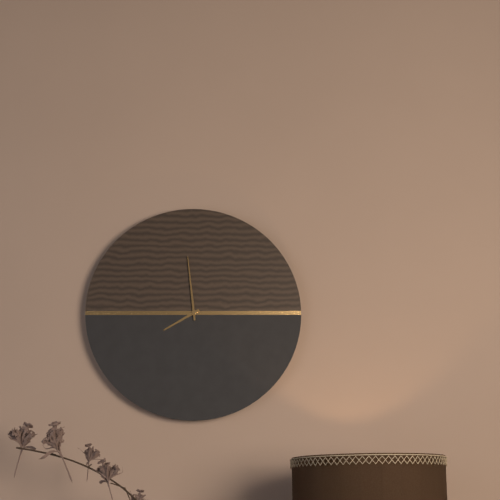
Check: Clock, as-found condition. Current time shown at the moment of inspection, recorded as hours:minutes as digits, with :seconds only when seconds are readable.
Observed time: 7:59
